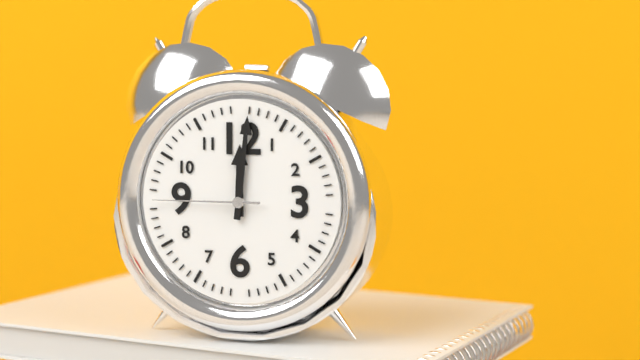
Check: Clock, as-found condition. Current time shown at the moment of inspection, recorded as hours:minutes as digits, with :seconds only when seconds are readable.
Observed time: 12:01:45
